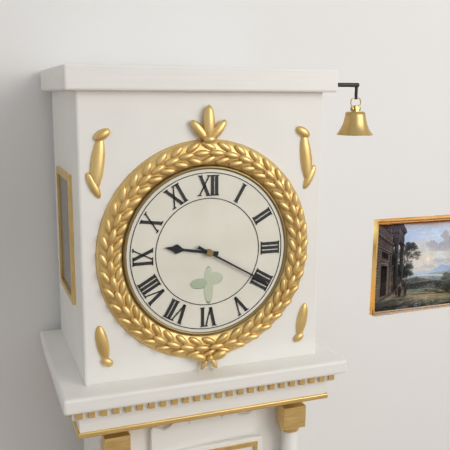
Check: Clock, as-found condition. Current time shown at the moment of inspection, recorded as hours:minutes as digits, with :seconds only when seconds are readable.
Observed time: 9:20
